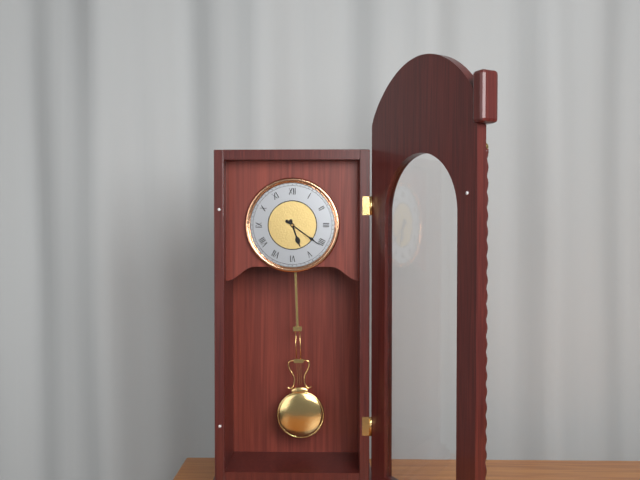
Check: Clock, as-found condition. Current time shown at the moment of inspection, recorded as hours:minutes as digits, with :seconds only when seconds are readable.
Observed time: 5:21
